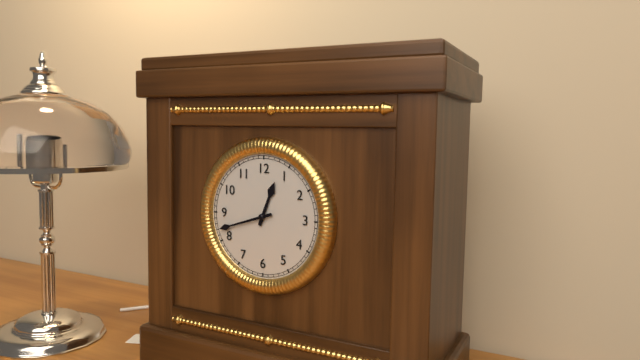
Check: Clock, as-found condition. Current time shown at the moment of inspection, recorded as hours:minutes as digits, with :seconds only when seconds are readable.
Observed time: 12:42
